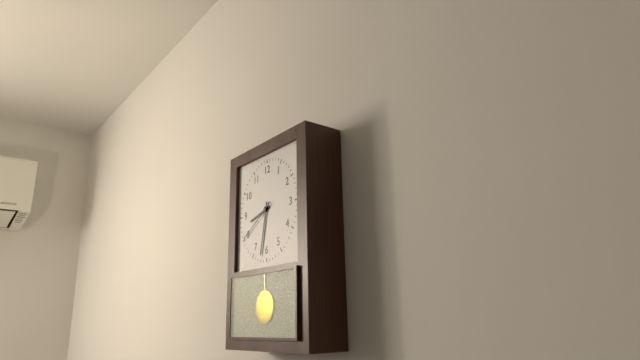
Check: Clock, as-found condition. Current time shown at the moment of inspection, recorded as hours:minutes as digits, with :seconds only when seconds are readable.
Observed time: 8:32
